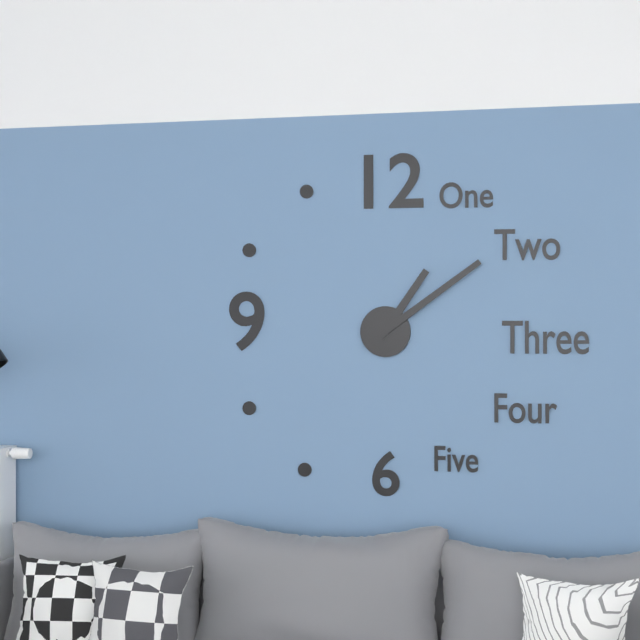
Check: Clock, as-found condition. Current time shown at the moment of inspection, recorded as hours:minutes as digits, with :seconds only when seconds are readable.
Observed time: 1:09
